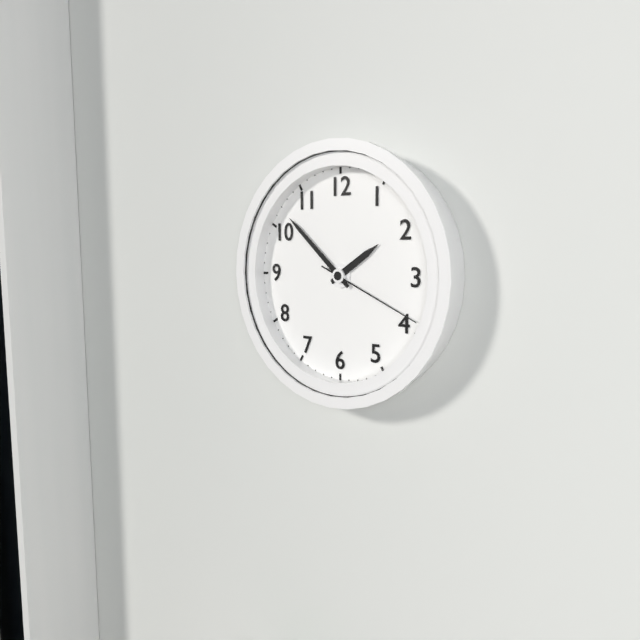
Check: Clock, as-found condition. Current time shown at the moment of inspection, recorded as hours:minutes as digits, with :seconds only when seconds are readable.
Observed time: 1:52:19
